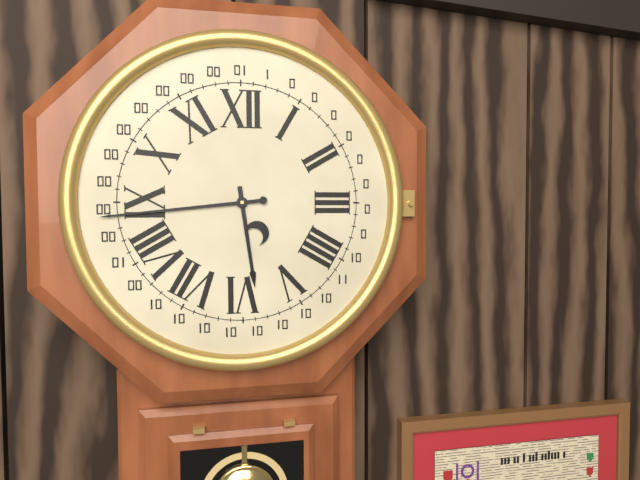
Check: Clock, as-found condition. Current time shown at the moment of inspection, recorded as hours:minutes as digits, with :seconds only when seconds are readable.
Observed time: 5:44
